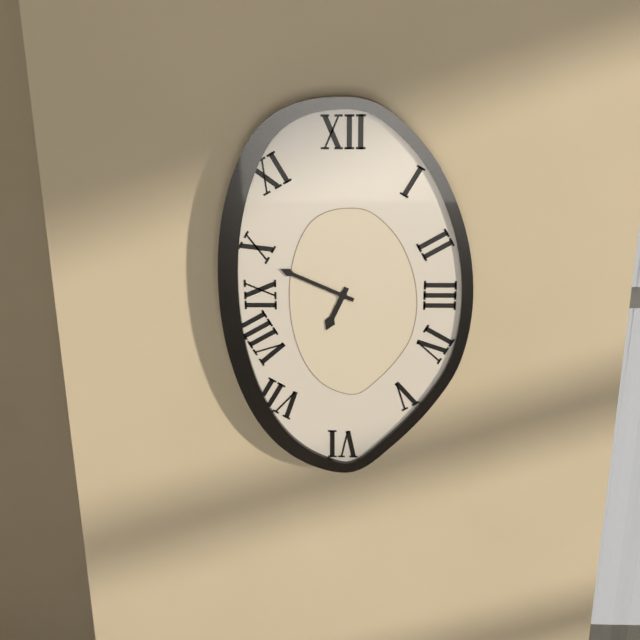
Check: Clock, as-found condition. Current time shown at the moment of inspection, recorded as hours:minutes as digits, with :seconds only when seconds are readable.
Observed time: 6:49
